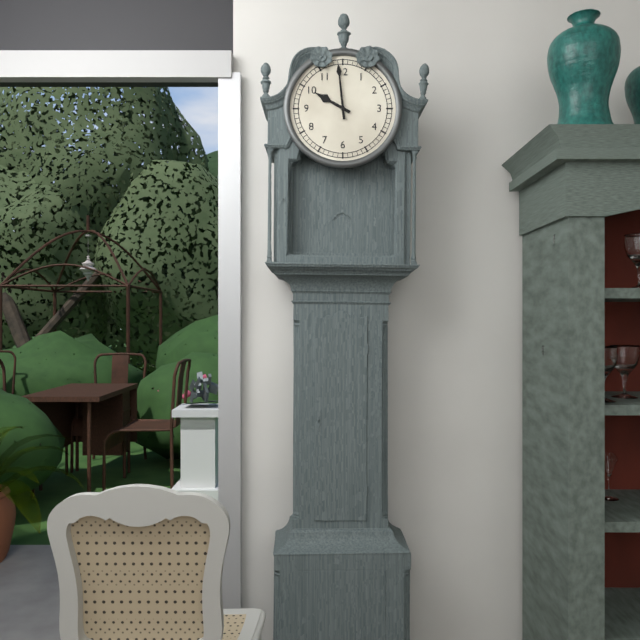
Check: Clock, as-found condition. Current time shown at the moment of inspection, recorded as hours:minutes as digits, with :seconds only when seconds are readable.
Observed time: 9:59
